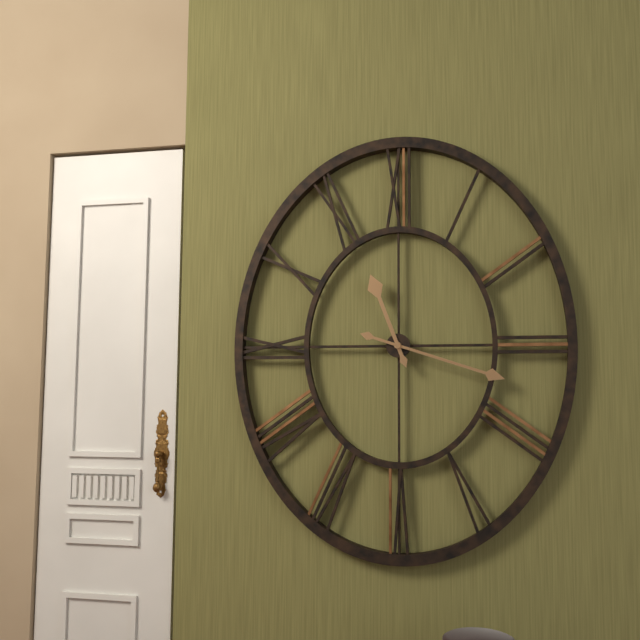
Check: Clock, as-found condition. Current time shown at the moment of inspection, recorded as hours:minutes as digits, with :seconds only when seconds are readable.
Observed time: 11:18
